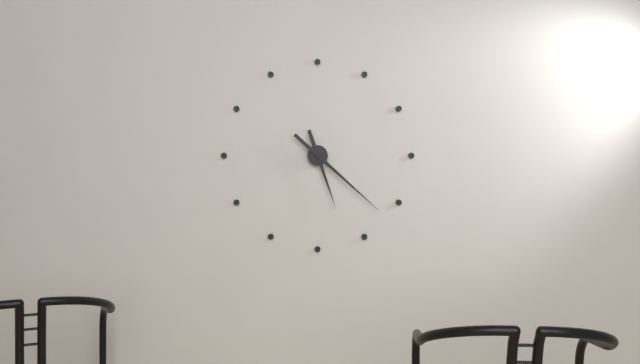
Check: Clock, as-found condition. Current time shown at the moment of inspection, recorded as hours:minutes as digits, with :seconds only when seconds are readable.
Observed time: 5:22
